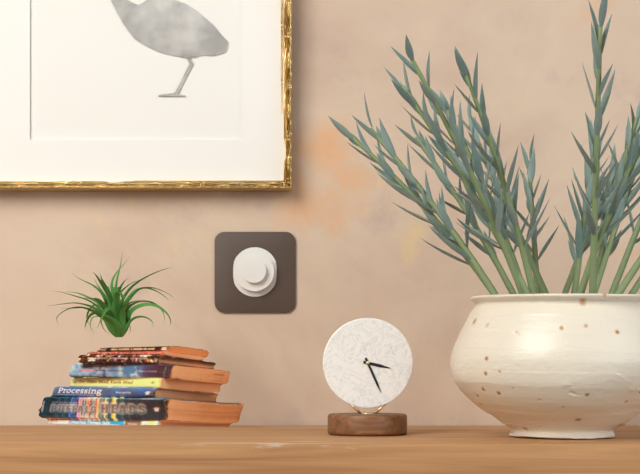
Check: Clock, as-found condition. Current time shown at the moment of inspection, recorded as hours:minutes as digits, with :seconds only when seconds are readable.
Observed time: 3:26
